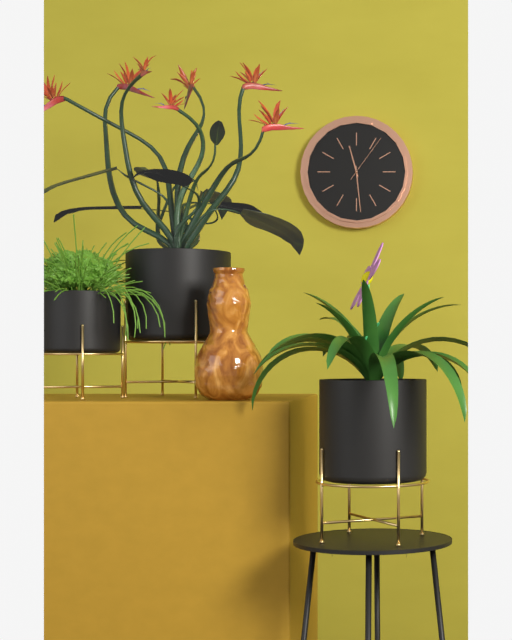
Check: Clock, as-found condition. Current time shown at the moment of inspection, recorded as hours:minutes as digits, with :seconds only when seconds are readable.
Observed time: 11:29:06
